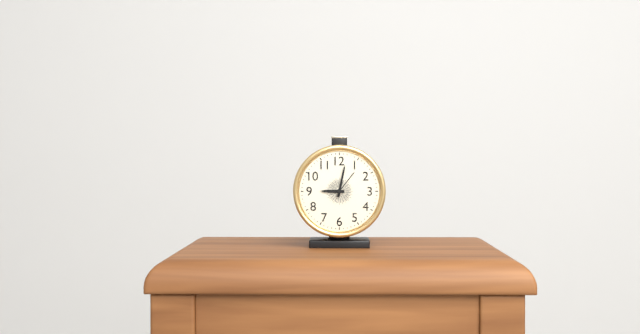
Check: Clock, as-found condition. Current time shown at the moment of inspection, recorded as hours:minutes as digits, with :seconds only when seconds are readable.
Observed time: 9:02
